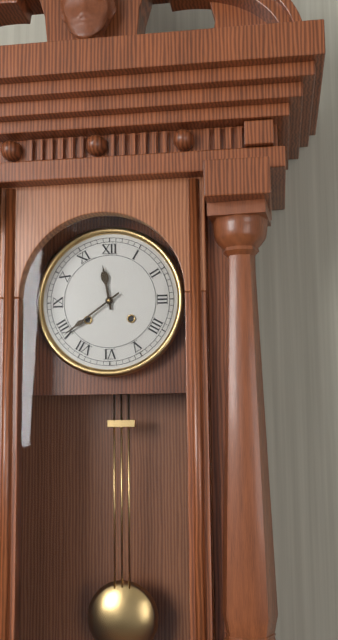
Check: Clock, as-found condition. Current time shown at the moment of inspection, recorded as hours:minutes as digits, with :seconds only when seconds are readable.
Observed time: 11:39
